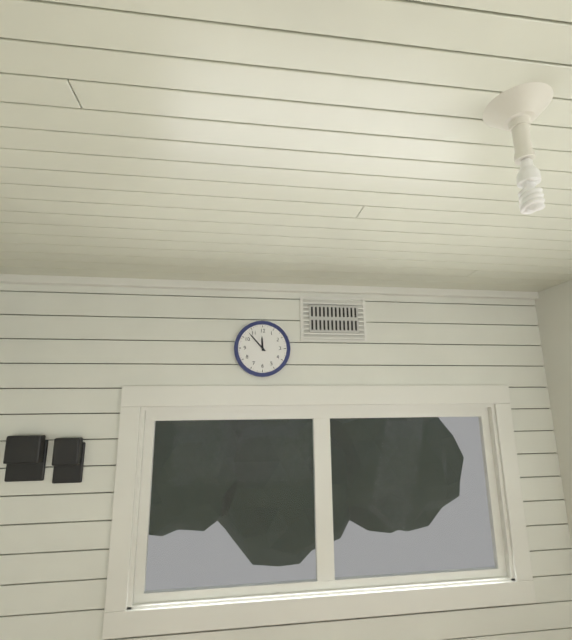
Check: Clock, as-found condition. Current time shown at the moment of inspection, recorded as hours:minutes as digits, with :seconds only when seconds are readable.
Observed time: 11:53
